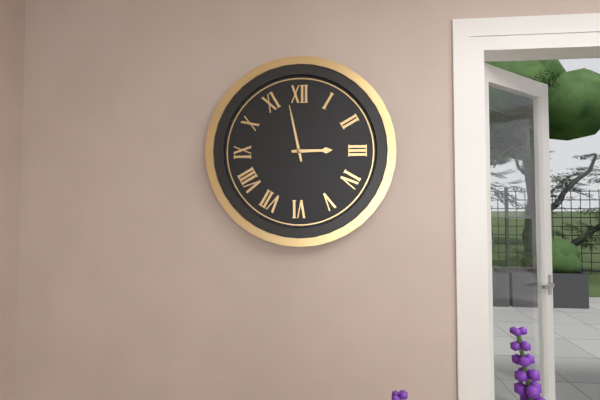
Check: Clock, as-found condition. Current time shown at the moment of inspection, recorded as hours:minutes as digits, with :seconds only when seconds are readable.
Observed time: 2:58
